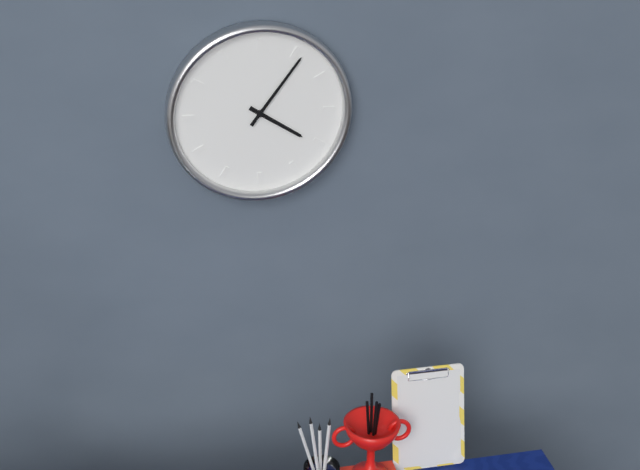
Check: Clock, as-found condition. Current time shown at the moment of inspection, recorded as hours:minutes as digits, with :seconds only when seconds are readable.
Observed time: 4:06
